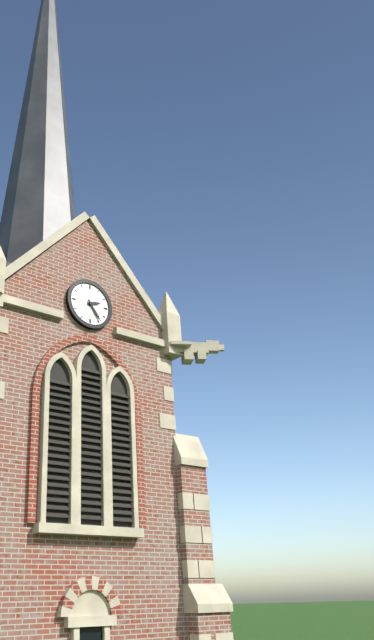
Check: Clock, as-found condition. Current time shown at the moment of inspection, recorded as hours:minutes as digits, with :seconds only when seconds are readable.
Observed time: 2:24
